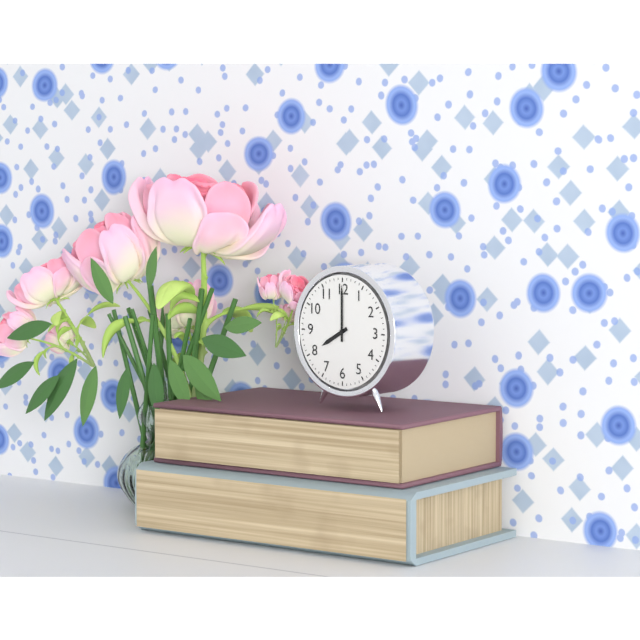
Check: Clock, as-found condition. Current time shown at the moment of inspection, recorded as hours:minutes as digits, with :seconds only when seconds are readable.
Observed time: 8:00
